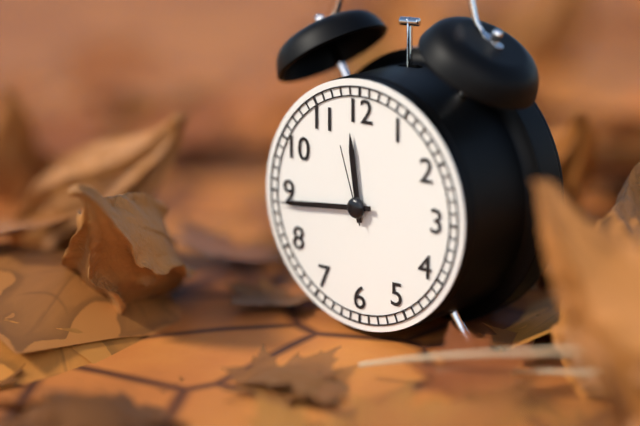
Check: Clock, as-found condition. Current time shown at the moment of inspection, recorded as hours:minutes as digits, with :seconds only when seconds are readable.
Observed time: 11:44:57
